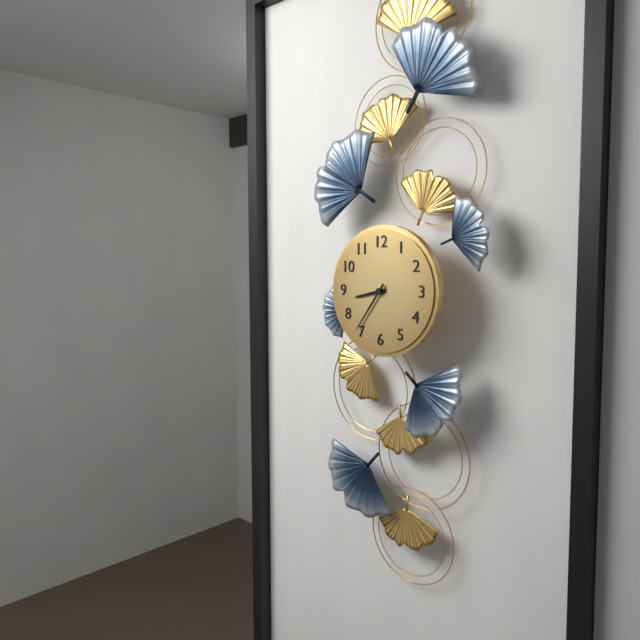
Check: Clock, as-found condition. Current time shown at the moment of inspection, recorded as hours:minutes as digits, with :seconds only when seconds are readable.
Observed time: 8:36
